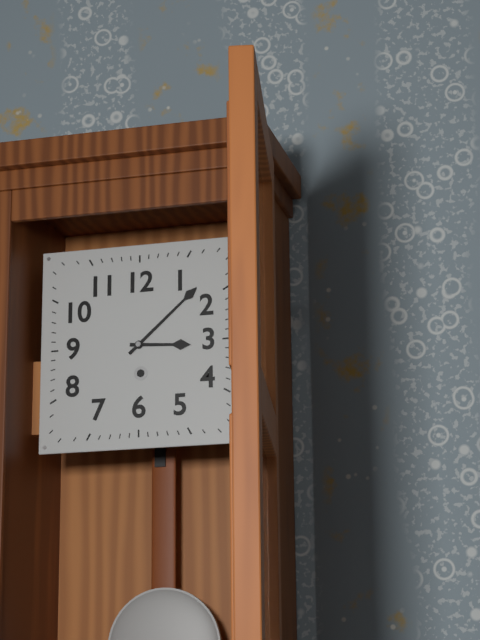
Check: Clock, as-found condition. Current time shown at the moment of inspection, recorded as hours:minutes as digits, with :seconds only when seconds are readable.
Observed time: 3:08
